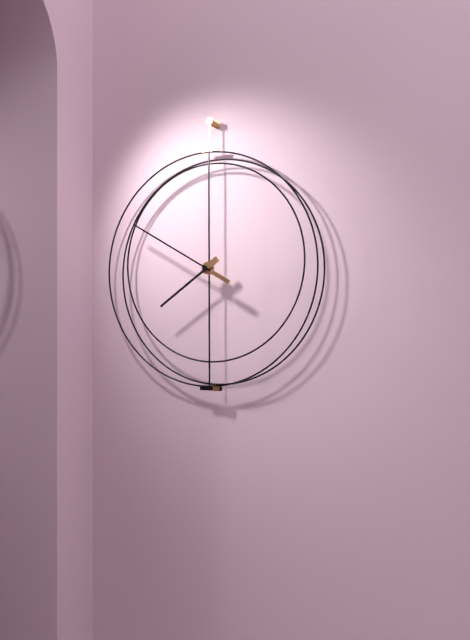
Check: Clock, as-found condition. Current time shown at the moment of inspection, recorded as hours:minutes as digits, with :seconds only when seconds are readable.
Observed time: 7:50
